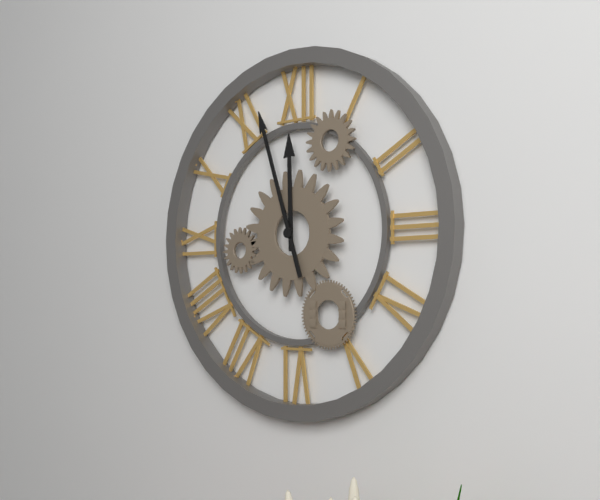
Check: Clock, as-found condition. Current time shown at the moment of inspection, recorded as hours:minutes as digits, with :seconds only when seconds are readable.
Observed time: 11:57
